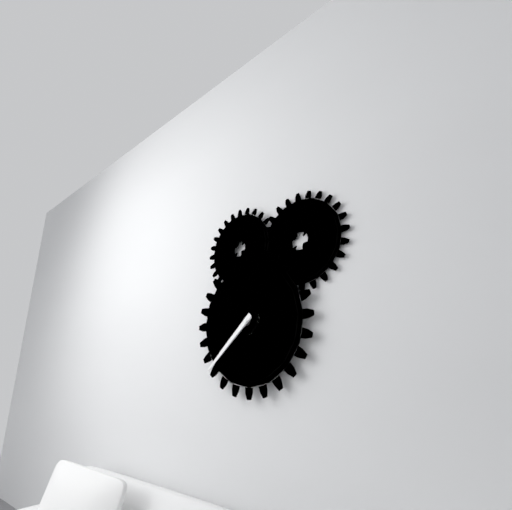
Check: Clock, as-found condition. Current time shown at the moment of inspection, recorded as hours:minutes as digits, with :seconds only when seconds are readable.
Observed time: 7:38
